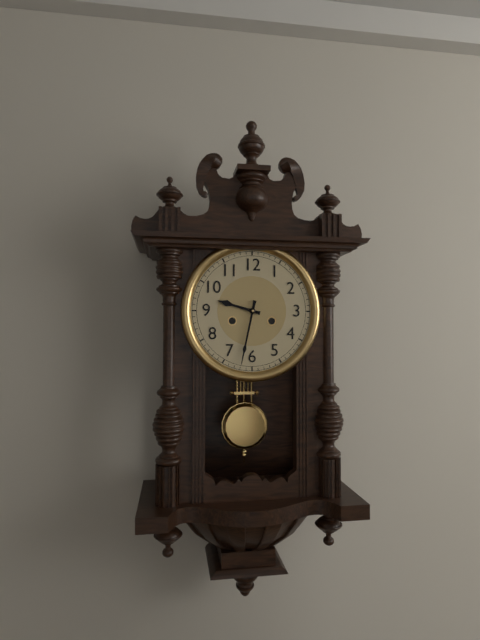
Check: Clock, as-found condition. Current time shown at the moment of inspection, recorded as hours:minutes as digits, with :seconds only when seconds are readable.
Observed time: 9:32
